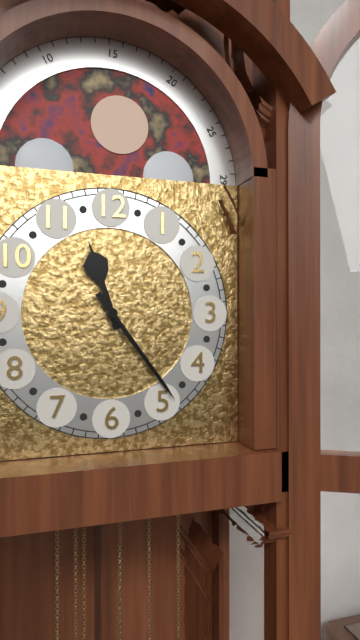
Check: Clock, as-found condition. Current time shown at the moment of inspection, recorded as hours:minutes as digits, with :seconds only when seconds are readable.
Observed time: 11:24
